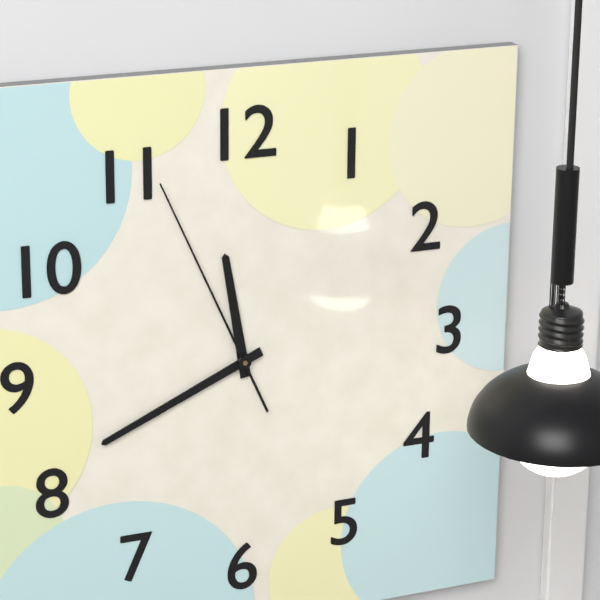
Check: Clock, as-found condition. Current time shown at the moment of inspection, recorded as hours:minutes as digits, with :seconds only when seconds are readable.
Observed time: 11:41:56
